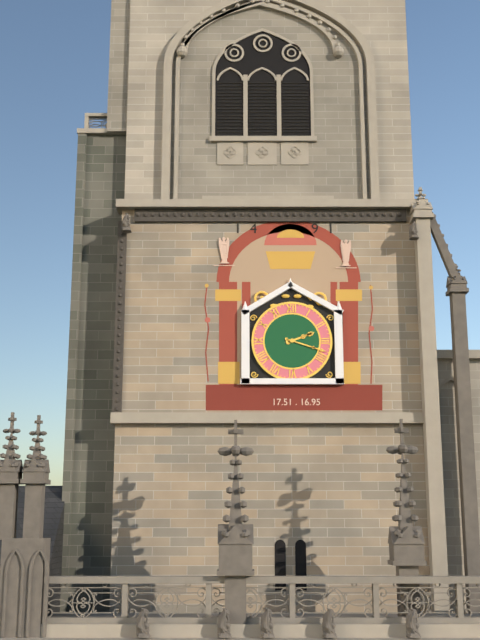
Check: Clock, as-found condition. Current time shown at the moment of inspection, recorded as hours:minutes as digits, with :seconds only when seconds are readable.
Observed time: 2:18
